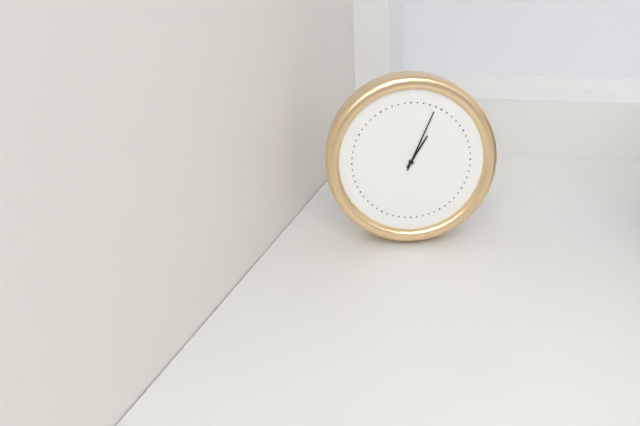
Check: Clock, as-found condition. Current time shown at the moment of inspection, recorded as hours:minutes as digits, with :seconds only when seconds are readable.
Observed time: 1:04
